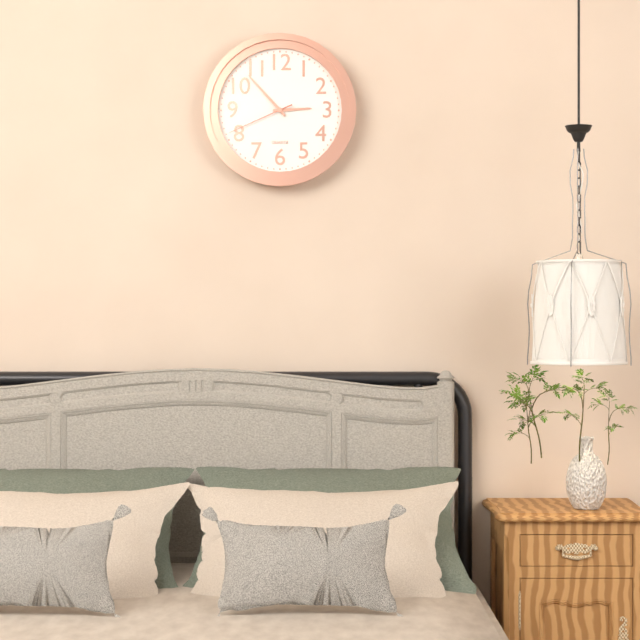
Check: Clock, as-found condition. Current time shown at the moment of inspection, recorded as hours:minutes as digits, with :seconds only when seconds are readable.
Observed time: 2:53:41
